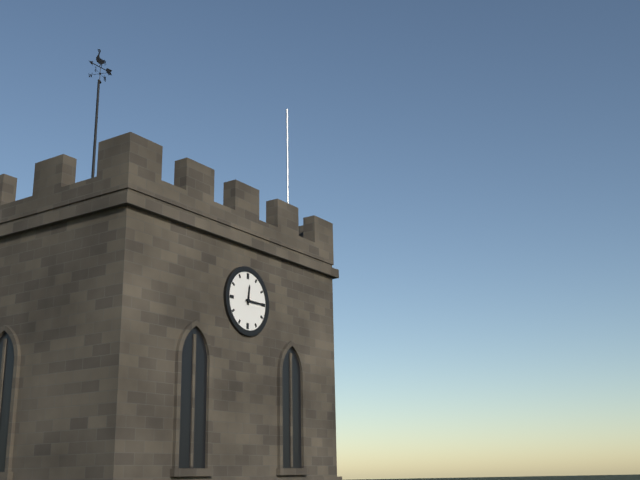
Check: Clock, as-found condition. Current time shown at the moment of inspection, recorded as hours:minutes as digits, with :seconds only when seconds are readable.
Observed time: 12:15
